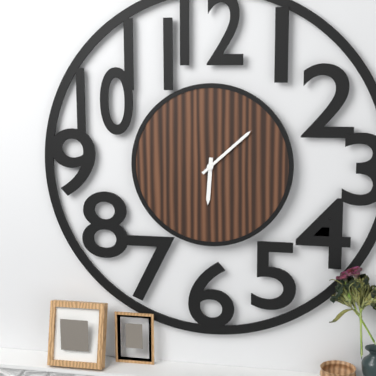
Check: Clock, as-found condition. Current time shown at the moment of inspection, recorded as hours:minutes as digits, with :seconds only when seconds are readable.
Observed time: 6:08
